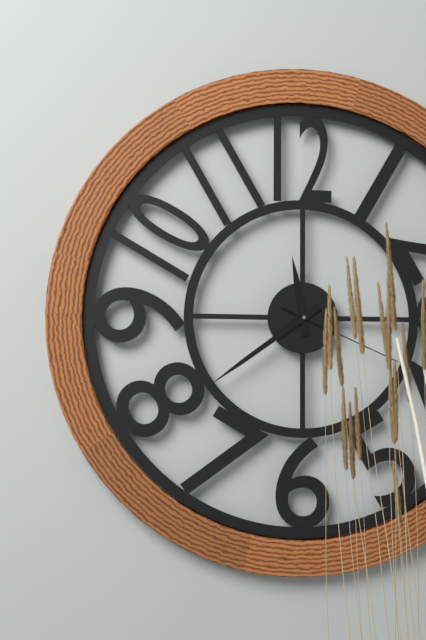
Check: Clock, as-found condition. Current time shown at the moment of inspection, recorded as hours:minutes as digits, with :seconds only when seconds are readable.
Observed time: 11:39:19
